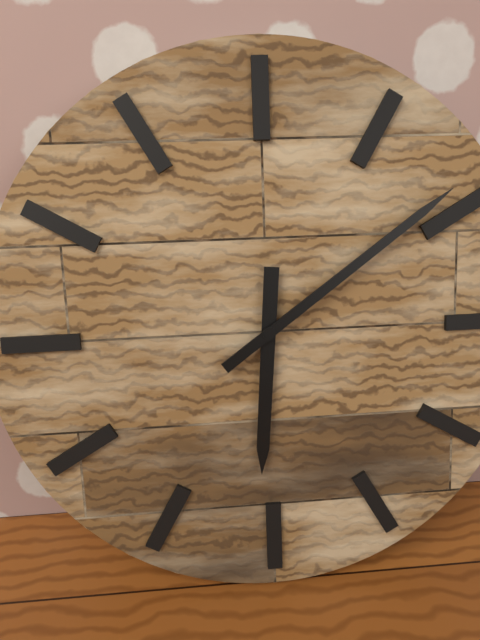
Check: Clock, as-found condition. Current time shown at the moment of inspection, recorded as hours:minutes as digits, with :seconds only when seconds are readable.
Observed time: 6:09
